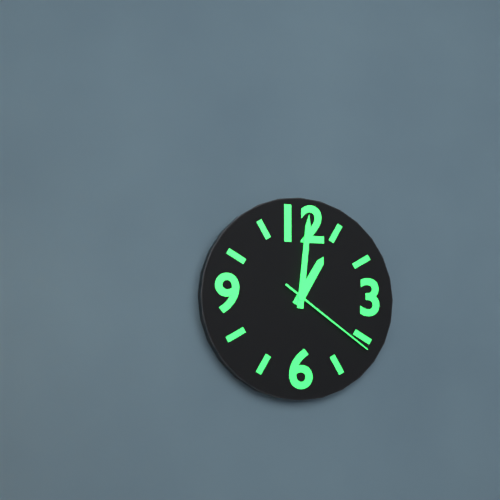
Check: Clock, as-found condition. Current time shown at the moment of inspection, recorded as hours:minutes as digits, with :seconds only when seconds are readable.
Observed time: 1:01:21
